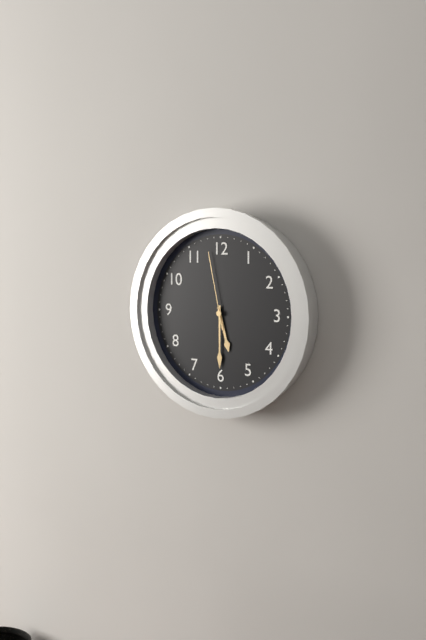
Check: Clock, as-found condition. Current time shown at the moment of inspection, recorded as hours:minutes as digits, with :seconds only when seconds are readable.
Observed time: 5:30:58
